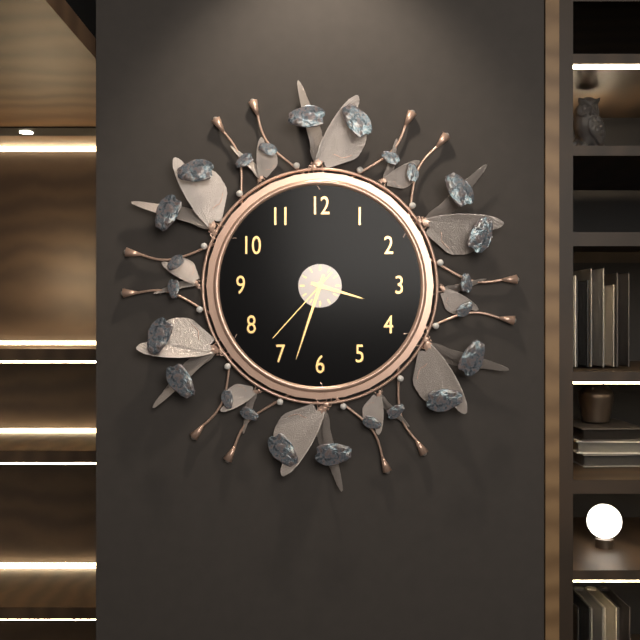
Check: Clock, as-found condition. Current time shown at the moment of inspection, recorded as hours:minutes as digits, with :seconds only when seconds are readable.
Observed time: 3:33:37
